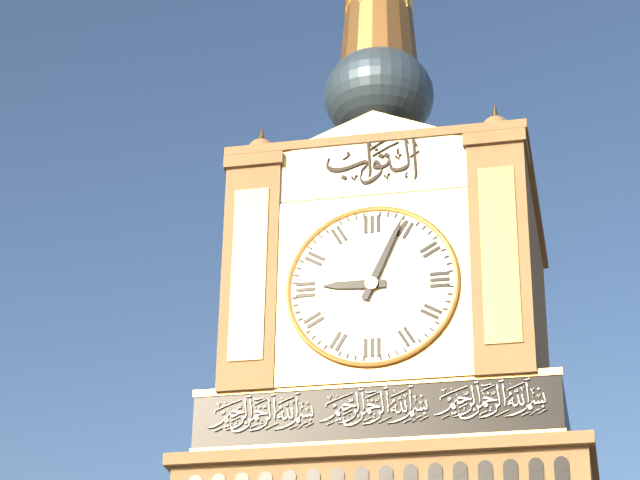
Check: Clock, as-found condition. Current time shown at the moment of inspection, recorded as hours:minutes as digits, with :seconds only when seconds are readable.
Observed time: 9:04
